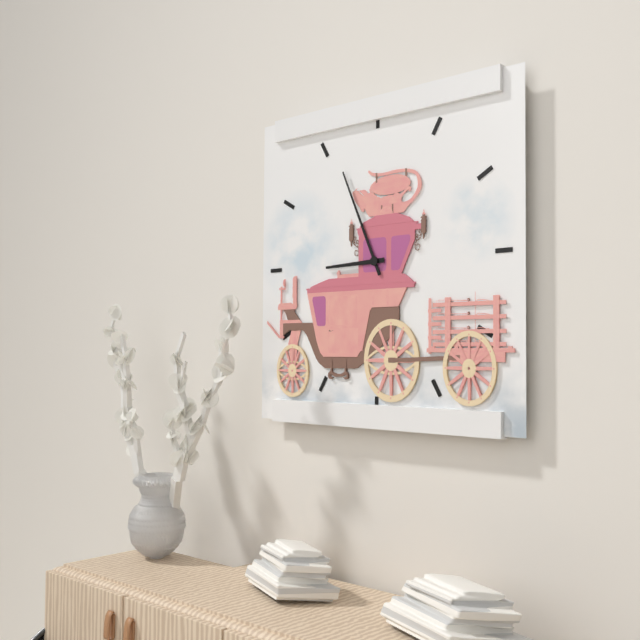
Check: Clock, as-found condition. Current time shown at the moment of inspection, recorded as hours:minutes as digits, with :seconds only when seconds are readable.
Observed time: 8:56
